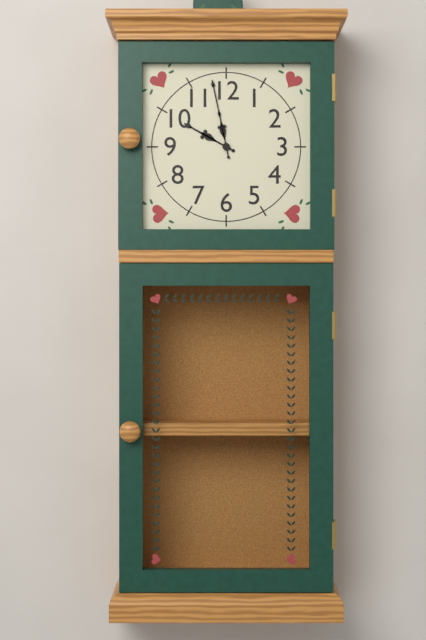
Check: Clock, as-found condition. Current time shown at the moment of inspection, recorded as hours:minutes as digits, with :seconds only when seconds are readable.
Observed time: 9:58
